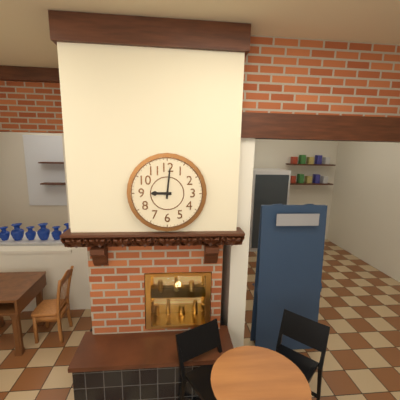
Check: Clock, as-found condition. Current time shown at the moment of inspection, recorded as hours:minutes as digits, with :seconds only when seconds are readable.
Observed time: 9:01
